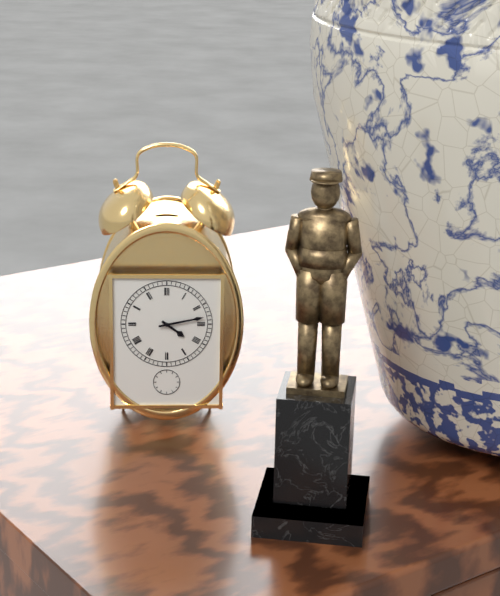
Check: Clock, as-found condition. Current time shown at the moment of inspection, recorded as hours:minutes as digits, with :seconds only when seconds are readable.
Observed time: 4:13
